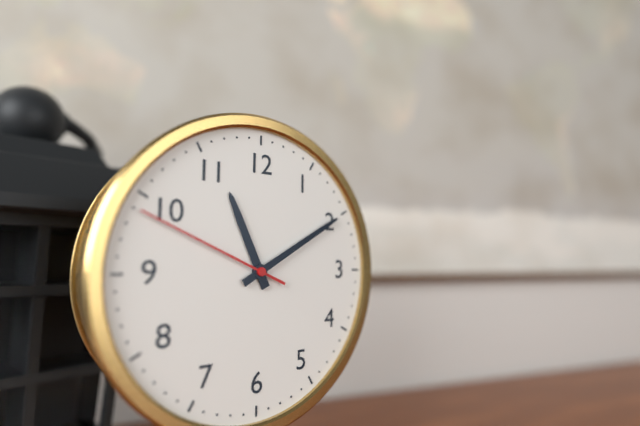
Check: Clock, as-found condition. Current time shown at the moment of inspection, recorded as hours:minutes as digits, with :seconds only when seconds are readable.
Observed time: 11:10:49
